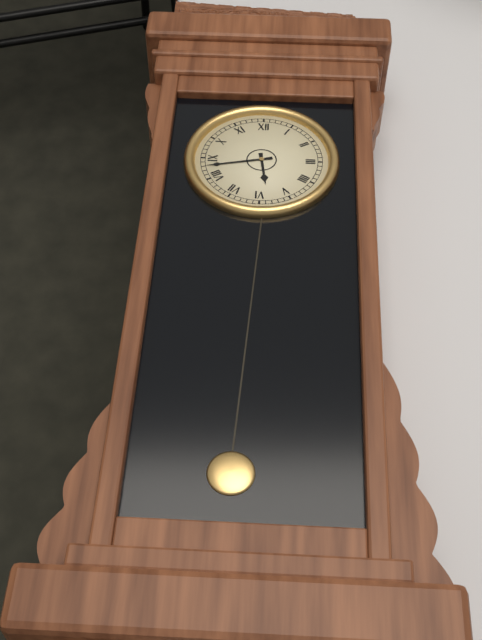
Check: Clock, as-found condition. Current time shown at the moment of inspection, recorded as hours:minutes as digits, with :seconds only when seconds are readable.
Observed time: 5:43
